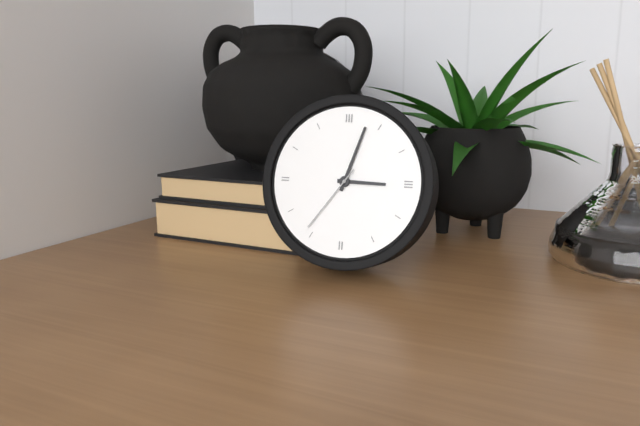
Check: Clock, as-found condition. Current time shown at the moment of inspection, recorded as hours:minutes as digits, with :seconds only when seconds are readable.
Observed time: 3:03:36
